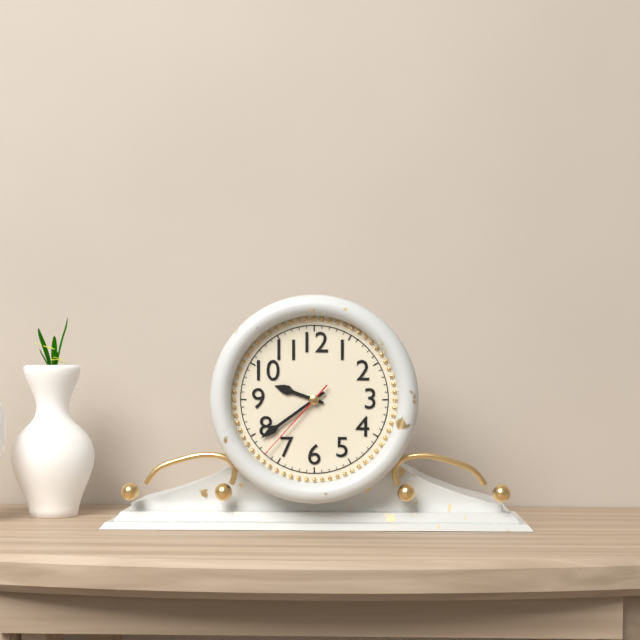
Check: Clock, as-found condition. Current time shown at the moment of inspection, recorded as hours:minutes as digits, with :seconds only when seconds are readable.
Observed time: 9:39:37
